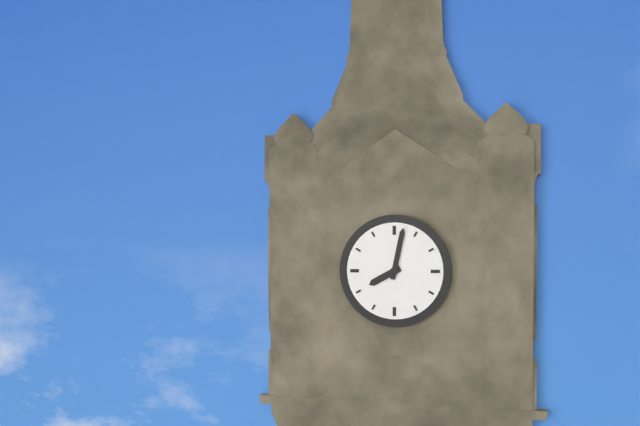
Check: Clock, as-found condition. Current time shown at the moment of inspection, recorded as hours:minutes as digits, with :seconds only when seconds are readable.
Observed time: 8:02
